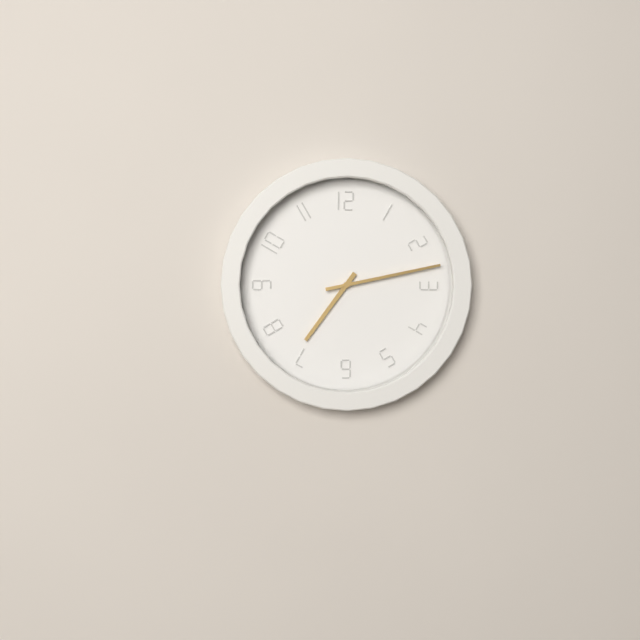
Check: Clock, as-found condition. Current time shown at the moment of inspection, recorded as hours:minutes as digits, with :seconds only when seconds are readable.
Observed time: 7:13
